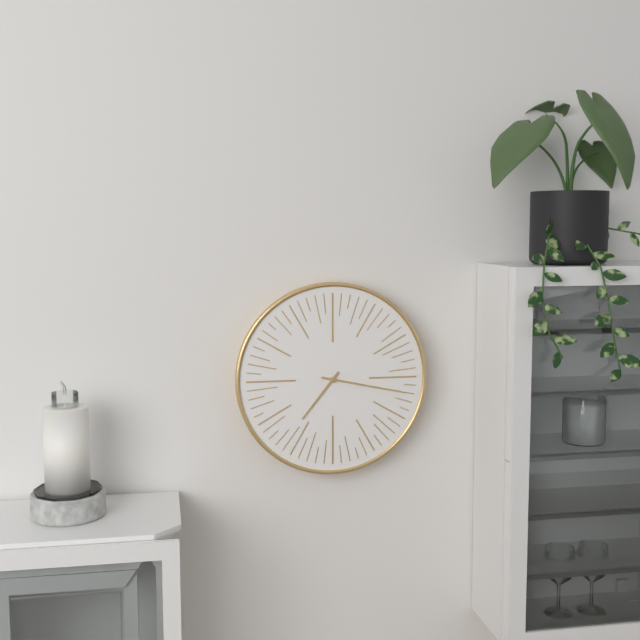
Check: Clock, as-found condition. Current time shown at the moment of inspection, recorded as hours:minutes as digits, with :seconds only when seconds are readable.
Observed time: 7:17
